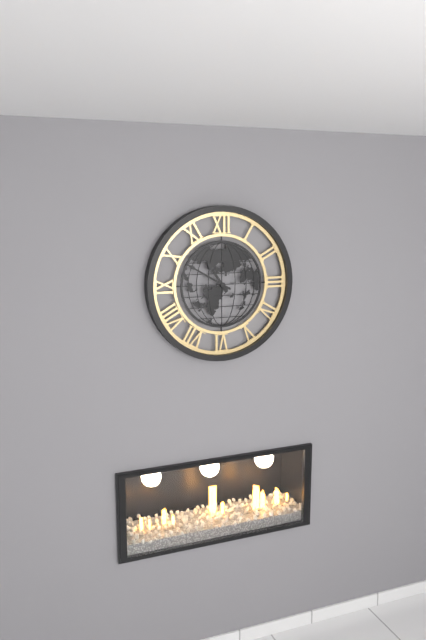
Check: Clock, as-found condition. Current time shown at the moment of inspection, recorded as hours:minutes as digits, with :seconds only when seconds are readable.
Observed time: 10:50
